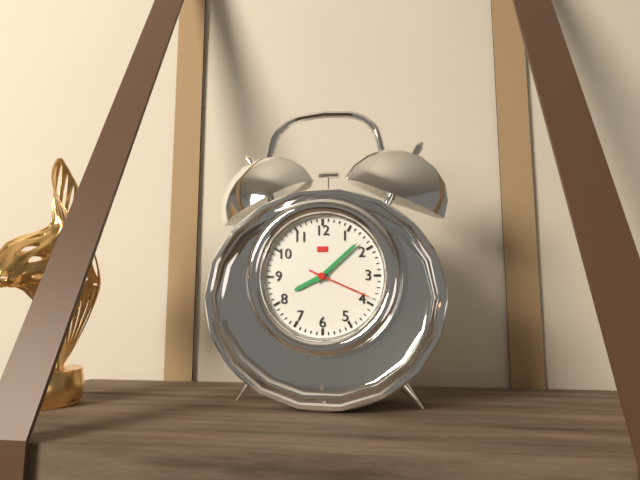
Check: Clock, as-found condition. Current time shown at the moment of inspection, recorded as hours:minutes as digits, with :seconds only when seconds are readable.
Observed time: 8:08:19
